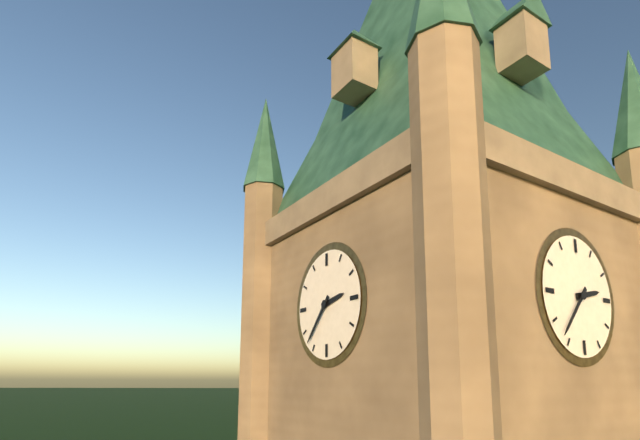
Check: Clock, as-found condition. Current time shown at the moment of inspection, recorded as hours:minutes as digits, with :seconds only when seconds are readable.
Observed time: 2:37
